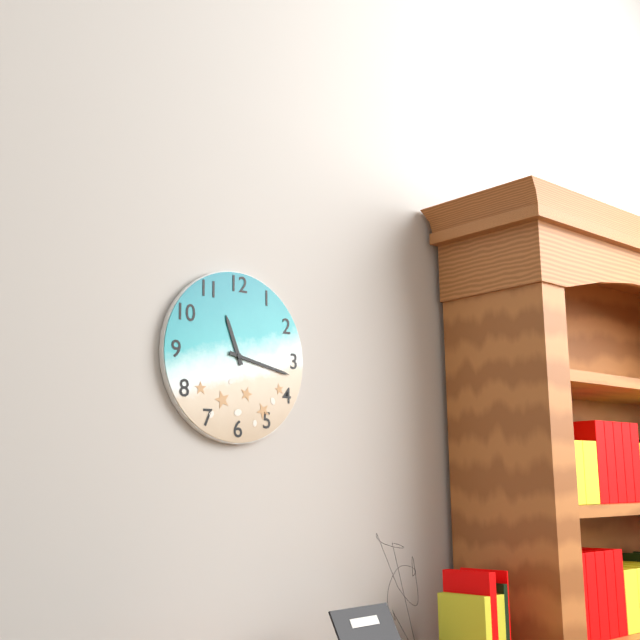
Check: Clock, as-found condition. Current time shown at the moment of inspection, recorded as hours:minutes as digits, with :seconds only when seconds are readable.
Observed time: 11:17
